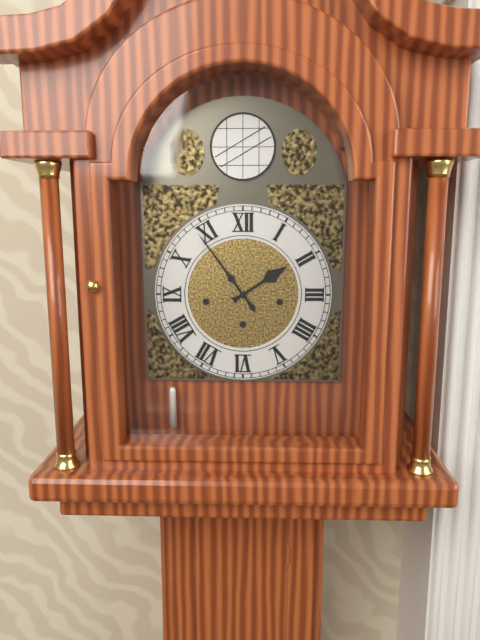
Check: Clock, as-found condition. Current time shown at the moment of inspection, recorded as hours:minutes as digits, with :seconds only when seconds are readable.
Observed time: 1:54
